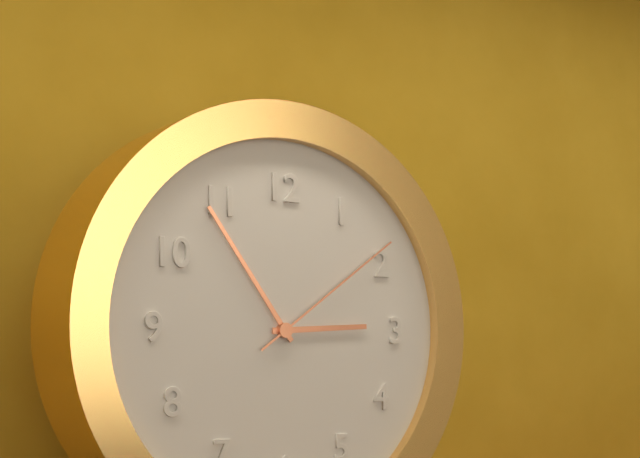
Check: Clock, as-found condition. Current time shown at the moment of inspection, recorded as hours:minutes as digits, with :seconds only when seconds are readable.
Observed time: 2:54:09
